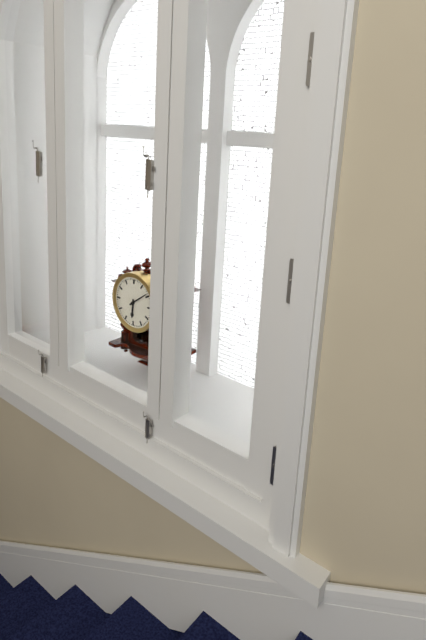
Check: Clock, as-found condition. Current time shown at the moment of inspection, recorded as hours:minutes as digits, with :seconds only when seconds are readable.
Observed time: 6:09
